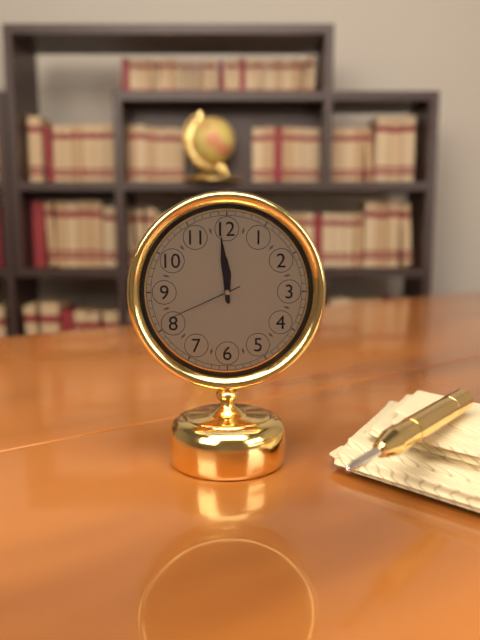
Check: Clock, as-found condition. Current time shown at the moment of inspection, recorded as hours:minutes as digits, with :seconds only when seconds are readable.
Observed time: 11:59:41
